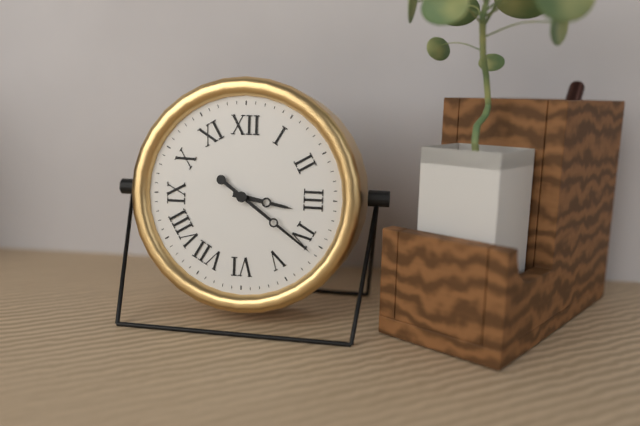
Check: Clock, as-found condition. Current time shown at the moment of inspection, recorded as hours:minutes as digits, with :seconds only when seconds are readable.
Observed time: 3:21
